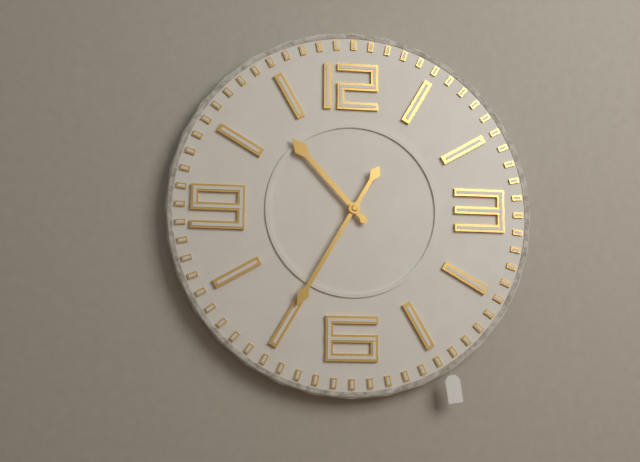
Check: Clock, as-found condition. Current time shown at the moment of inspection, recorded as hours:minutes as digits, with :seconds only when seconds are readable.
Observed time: 10:35
